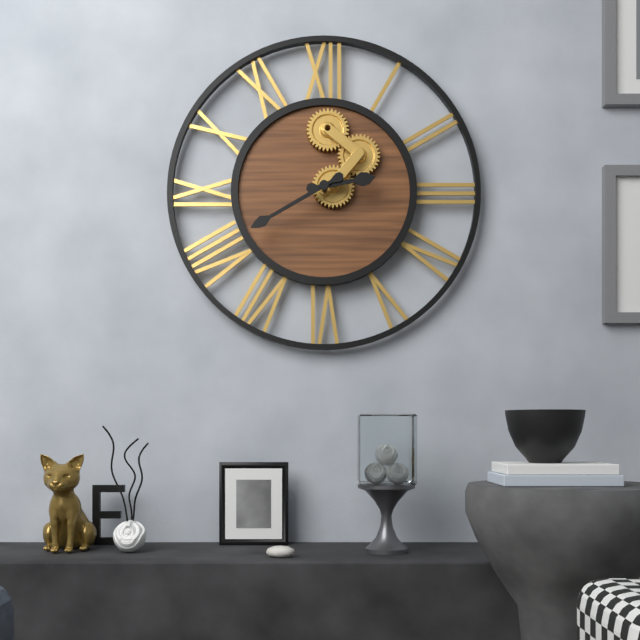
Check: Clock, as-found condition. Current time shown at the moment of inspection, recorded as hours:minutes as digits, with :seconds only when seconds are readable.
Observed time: 2:40
